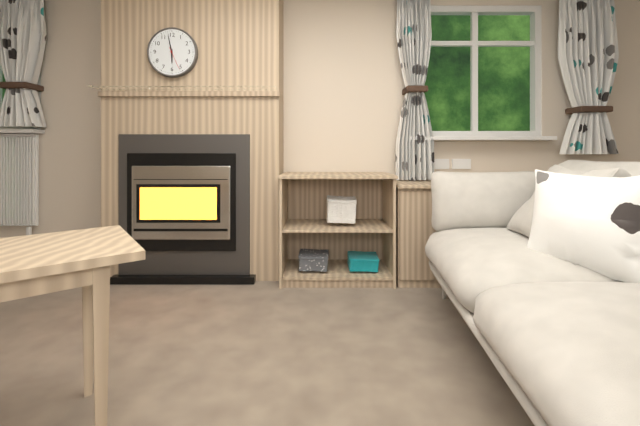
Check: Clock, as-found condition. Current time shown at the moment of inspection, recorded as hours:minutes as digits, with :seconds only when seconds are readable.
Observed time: 5:58
